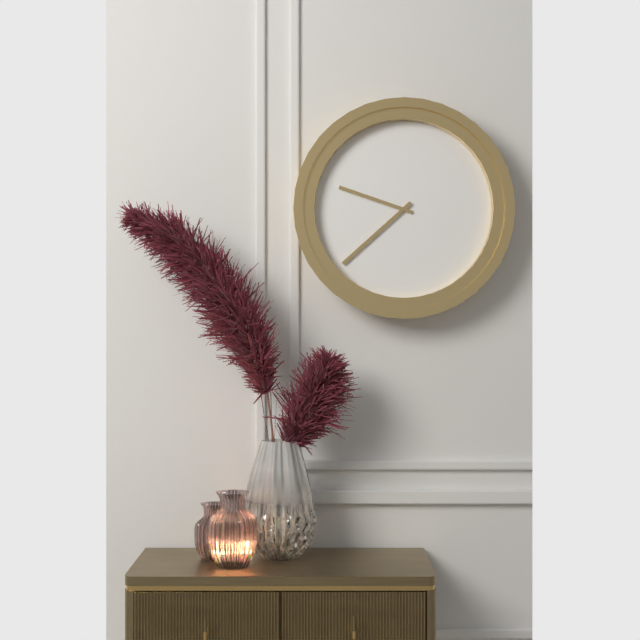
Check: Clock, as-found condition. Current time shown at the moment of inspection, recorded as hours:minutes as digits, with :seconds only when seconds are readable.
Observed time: 9:38
